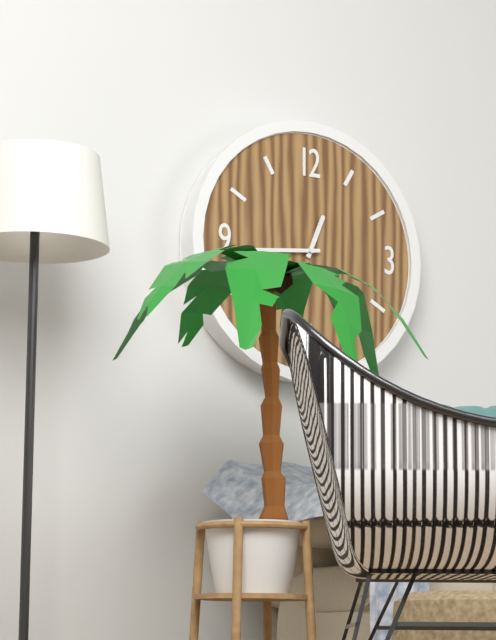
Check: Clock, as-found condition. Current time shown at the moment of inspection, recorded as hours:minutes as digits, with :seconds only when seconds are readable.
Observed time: 12:44
